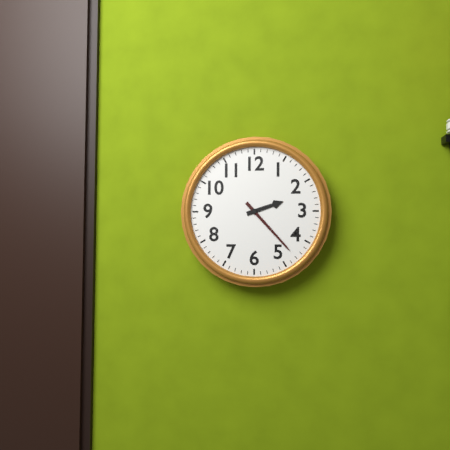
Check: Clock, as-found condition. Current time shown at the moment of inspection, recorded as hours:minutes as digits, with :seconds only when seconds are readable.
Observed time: 2:23
